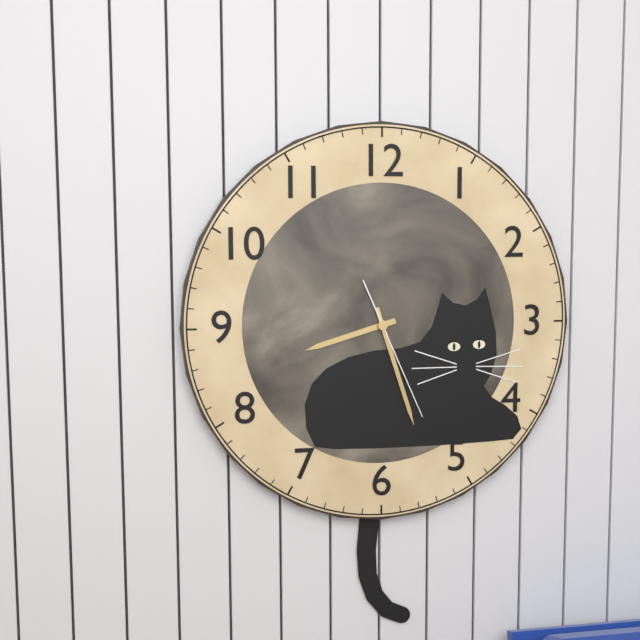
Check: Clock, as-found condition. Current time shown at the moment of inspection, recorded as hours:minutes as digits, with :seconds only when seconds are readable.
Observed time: 8:27:26
